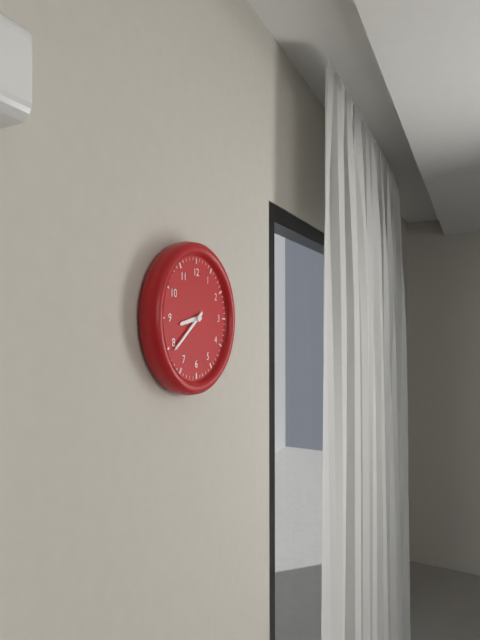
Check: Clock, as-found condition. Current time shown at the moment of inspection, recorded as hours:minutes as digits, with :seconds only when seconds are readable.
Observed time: 8:39
